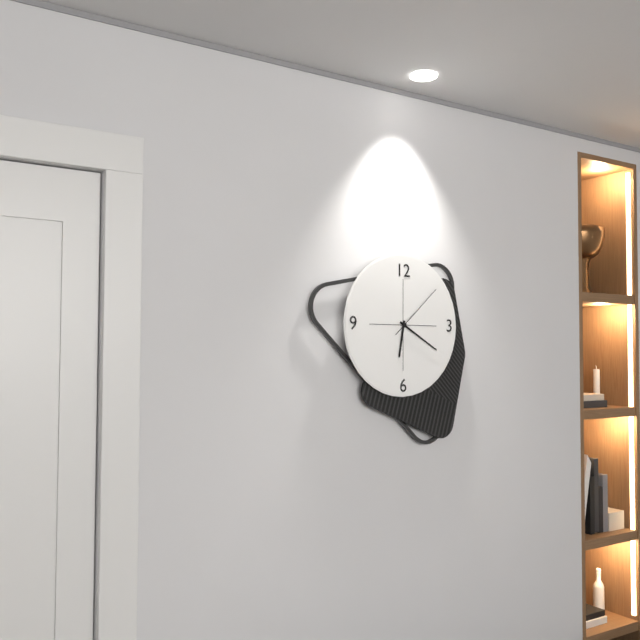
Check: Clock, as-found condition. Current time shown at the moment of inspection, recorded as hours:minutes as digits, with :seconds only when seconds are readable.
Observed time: 6:20:08
